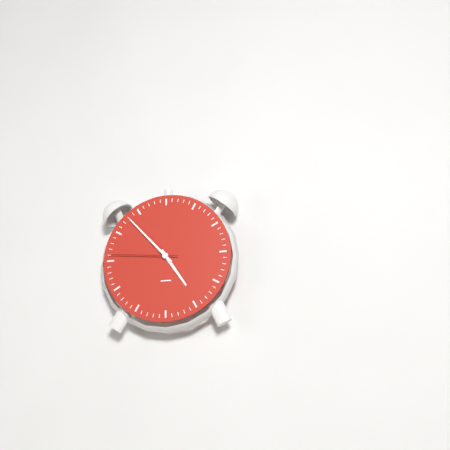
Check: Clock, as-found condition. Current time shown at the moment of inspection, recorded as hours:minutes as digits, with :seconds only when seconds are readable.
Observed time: 4:53:46
